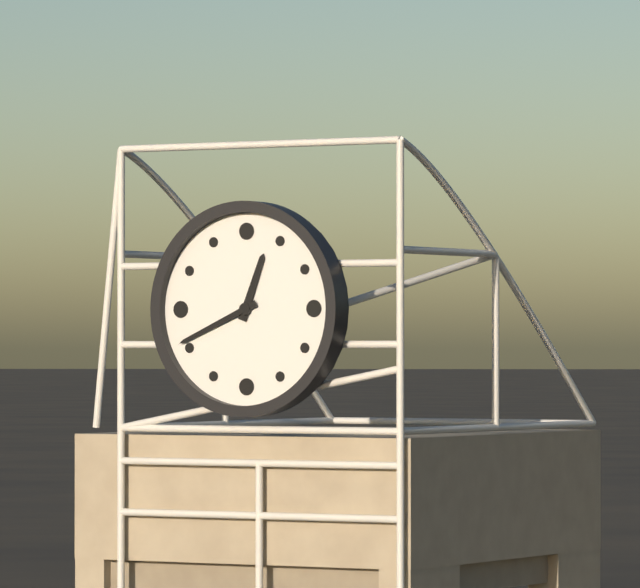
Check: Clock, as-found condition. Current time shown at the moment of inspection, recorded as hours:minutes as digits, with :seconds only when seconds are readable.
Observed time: 12:41
